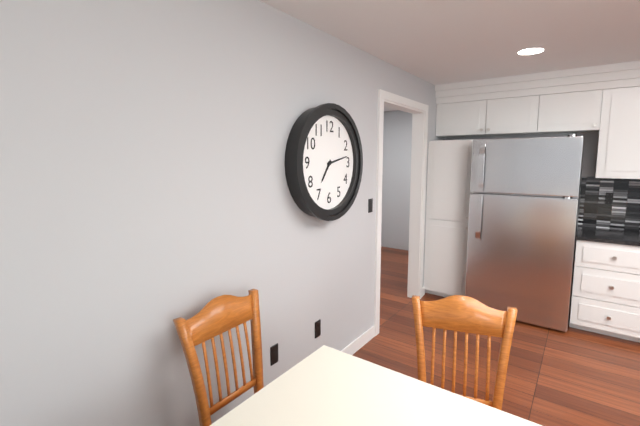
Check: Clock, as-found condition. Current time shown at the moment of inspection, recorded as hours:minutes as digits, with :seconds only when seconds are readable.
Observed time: 7:13
